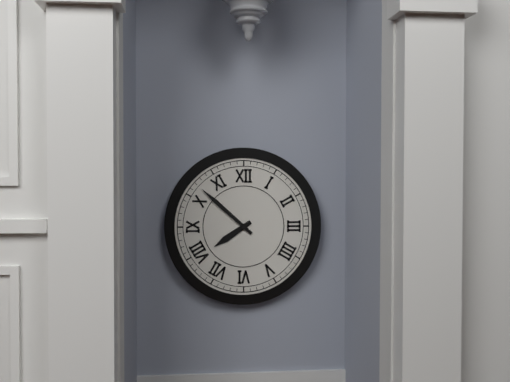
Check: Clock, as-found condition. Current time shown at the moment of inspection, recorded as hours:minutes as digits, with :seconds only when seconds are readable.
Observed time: 7:52
